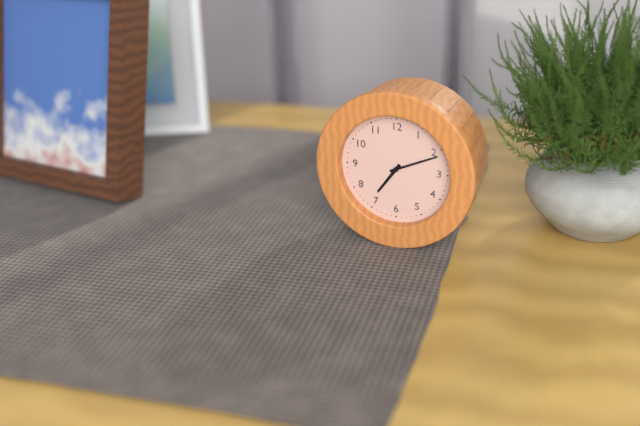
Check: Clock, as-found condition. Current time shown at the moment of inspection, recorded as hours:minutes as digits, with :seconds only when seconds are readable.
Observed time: 7:11
